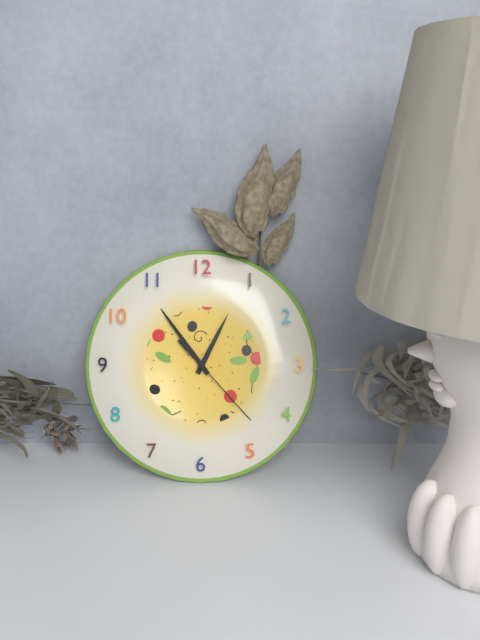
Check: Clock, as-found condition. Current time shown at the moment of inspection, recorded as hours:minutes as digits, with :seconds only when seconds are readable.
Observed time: 12:54:23
